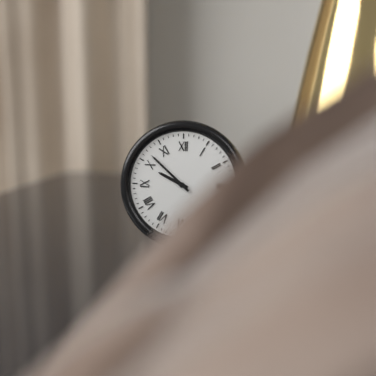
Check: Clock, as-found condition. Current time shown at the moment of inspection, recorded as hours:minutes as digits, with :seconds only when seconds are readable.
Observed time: 9:52
